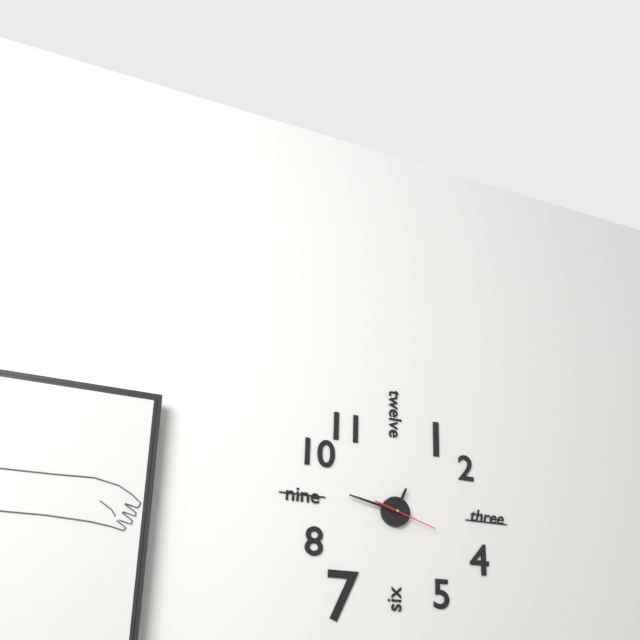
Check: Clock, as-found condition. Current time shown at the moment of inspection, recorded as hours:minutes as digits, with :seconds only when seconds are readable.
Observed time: 12:47:18
